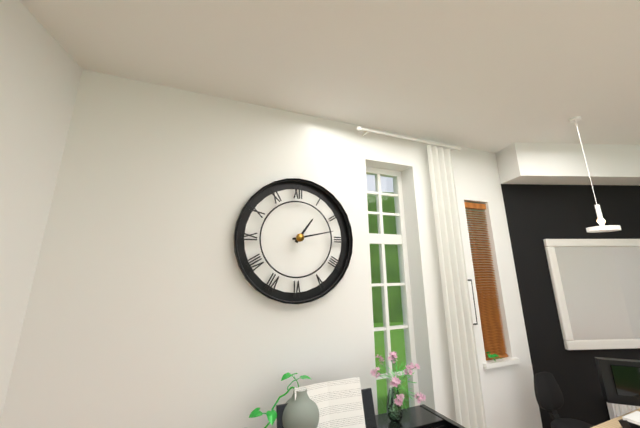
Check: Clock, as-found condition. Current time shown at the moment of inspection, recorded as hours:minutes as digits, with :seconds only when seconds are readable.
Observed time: 1:13
